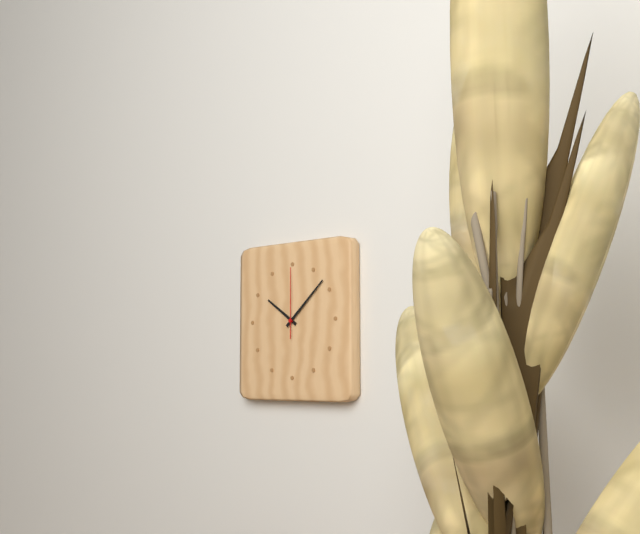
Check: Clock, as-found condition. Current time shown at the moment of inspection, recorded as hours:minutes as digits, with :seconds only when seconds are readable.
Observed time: 10:08:00
